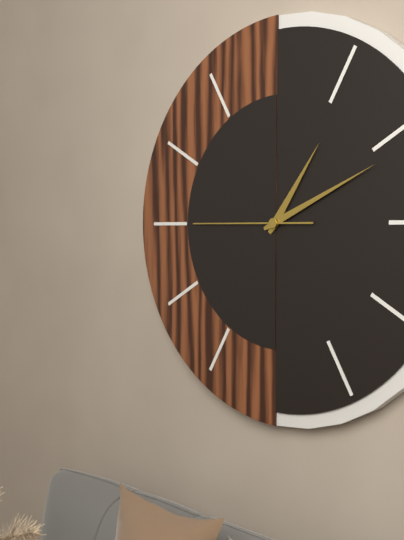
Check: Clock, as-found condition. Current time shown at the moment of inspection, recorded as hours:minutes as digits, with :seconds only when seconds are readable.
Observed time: 1:11:45
